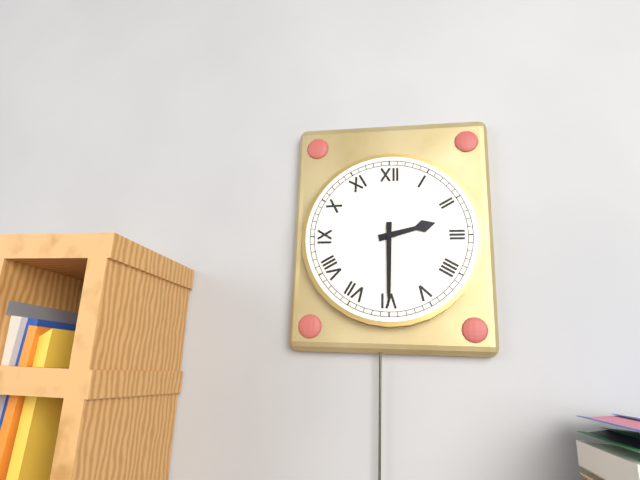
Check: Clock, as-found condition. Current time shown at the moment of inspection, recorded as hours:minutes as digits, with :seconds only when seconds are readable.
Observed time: 2:30
